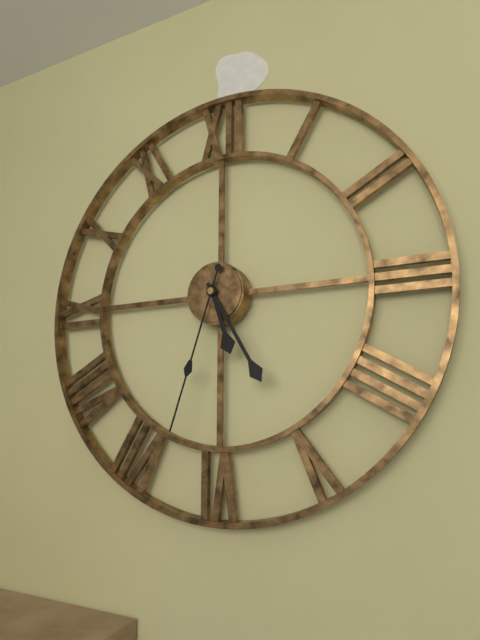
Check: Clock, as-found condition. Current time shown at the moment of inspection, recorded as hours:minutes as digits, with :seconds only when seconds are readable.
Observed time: 5:25:33
